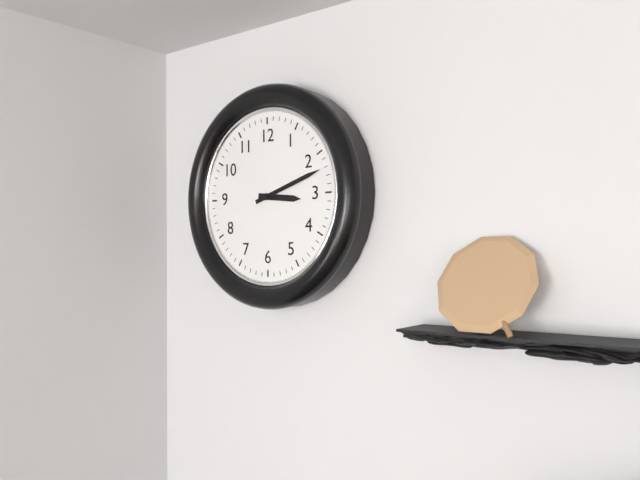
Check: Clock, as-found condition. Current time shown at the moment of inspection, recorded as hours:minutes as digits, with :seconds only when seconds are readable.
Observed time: 3:12
